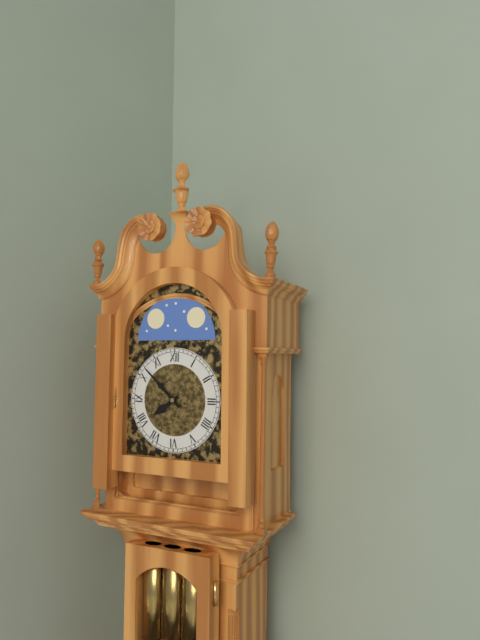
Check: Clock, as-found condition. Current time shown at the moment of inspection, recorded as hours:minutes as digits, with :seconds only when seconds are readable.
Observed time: 7:52
